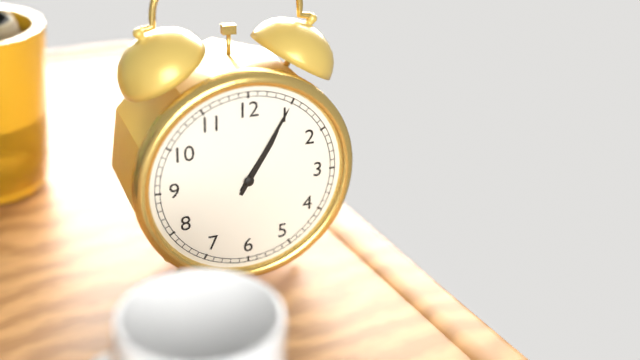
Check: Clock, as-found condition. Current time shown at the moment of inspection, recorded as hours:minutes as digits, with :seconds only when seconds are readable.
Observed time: 1:05
